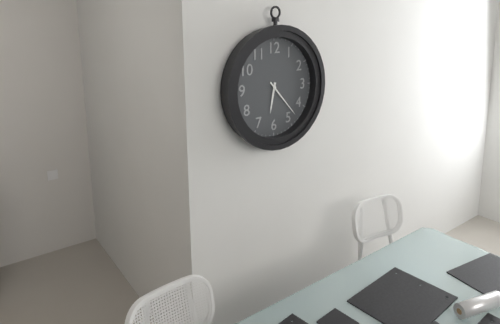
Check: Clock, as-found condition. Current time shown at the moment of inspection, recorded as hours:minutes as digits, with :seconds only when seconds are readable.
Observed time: 6:23
